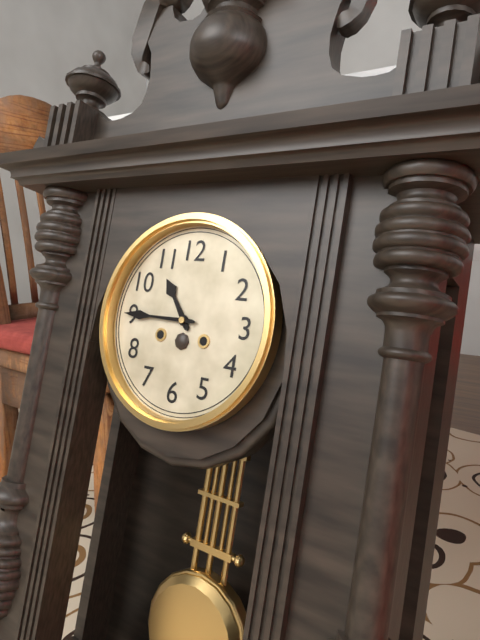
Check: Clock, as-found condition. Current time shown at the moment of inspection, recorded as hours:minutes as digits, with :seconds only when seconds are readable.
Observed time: 10:45
